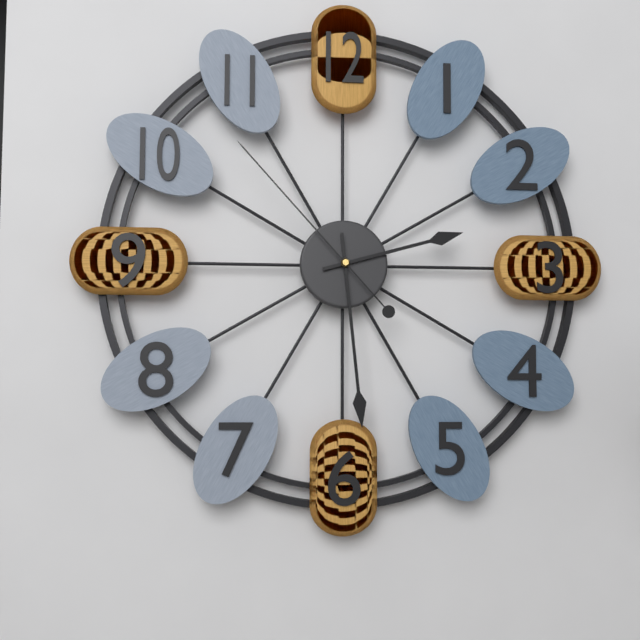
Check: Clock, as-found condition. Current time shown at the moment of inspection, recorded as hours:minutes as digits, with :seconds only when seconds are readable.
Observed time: 2:29:53
